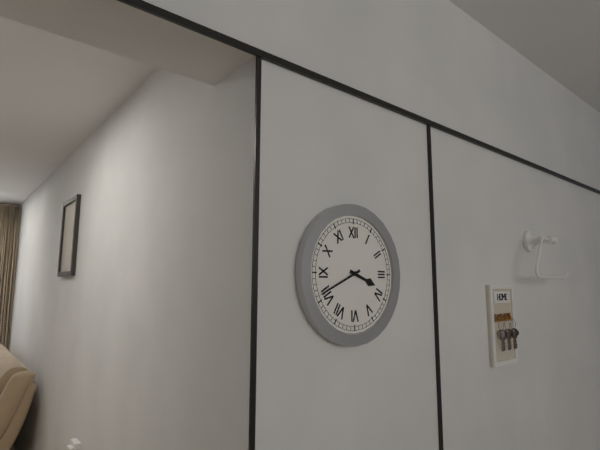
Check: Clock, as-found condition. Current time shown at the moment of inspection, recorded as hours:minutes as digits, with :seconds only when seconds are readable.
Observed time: 3:41
